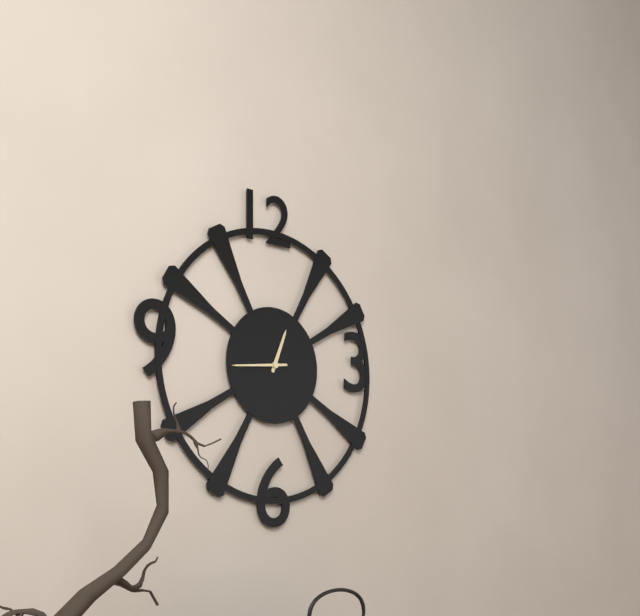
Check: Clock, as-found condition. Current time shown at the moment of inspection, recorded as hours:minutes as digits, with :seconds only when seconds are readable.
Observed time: 12:44
